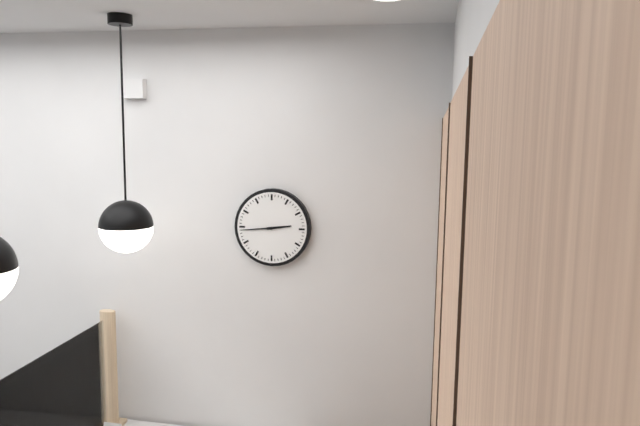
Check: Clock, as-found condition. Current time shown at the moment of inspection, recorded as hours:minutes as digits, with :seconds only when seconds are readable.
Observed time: 2:44
